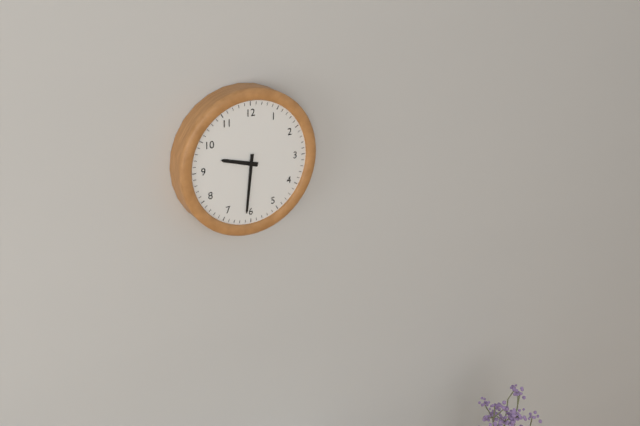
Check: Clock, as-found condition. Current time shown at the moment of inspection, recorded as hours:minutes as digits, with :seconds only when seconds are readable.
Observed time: 9:31
